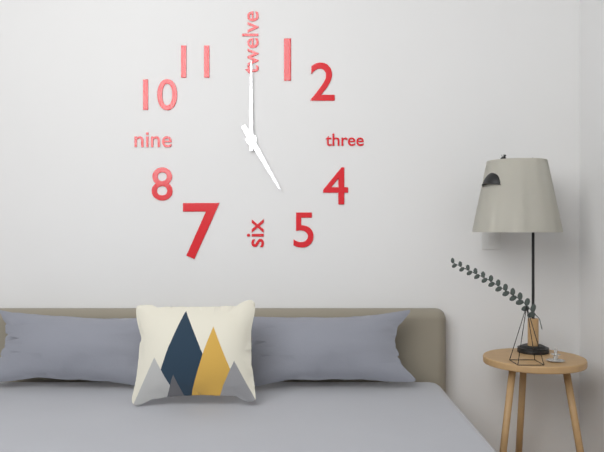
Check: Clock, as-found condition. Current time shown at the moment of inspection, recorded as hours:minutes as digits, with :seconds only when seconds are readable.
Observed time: 5:00
